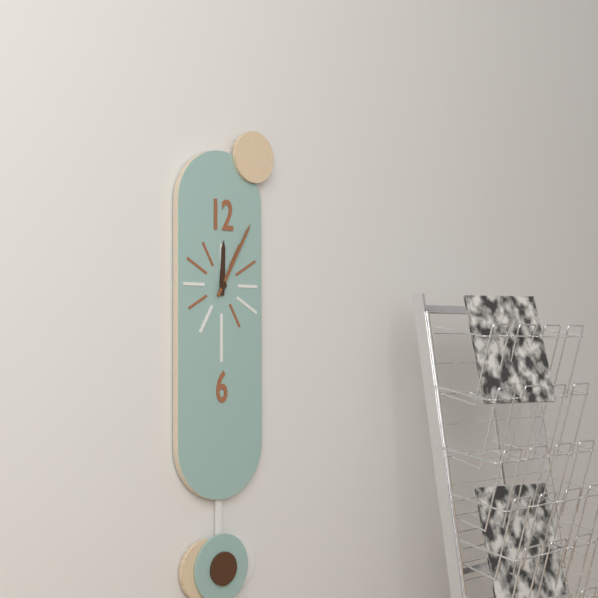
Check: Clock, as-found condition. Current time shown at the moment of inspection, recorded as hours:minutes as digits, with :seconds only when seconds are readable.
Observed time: 12:05
